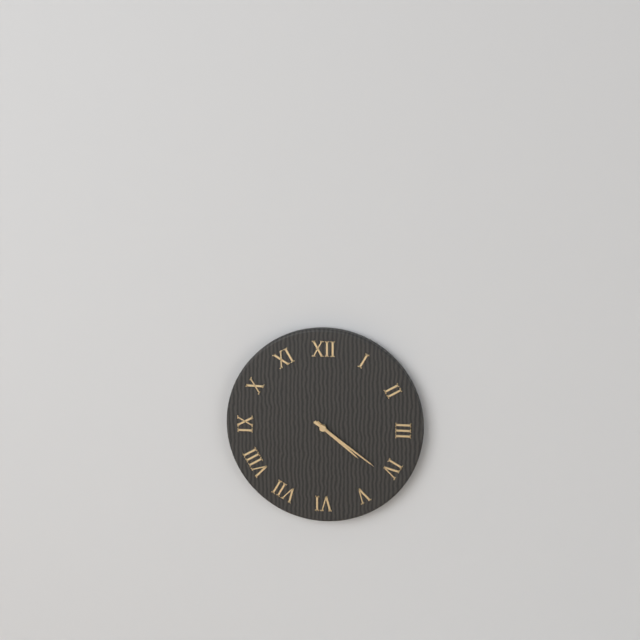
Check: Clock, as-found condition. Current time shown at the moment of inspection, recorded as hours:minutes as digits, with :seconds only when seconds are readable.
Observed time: 4:21
